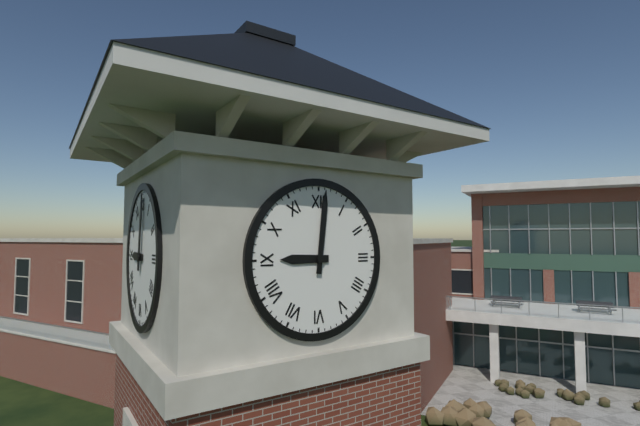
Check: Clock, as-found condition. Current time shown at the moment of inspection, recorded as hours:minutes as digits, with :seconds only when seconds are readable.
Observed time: 9:01
